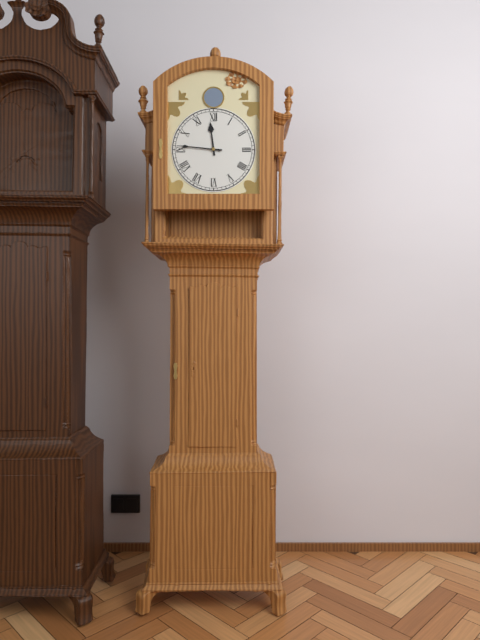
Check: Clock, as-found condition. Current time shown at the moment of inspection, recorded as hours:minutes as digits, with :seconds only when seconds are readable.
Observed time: 11:46
